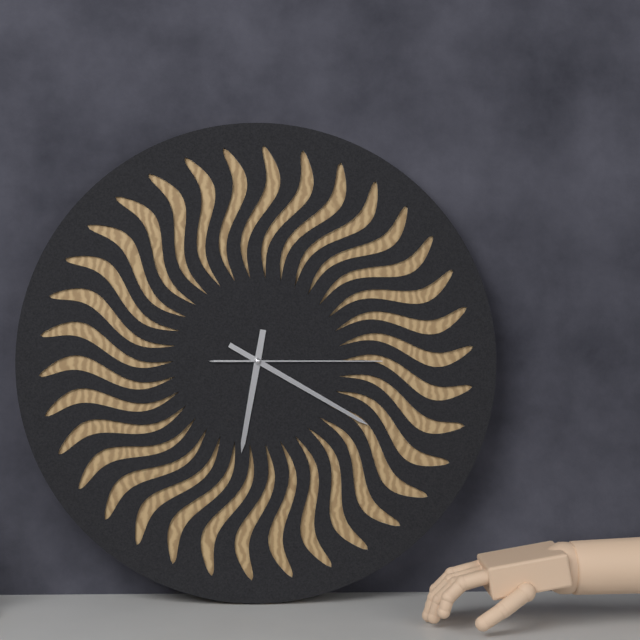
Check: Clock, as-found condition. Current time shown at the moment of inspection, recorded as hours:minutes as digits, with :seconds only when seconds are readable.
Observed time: 6:20:15
